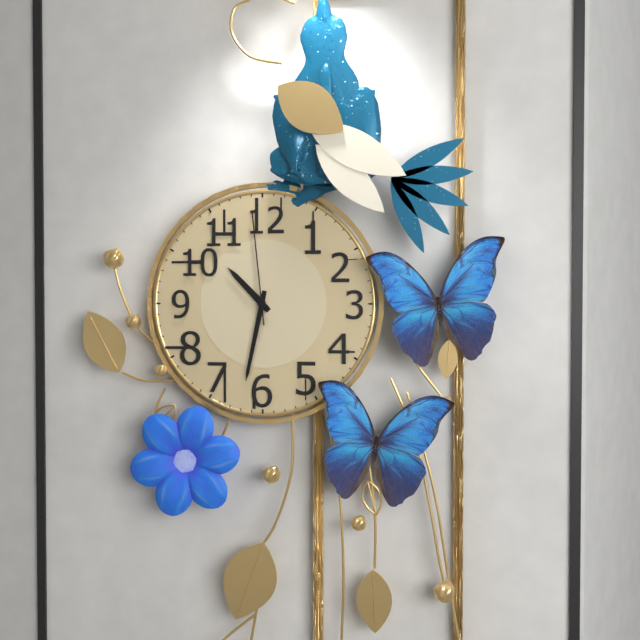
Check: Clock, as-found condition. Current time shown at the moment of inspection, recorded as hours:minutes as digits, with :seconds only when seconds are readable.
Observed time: 10:32:59
